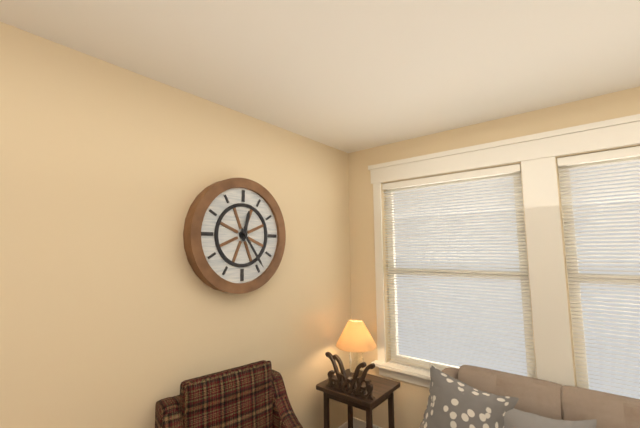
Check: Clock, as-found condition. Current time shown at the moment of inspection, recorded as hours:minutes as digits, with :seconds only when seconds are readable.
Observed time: 12:24
